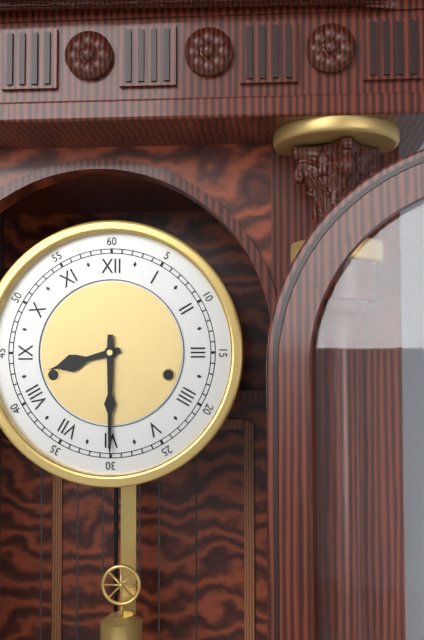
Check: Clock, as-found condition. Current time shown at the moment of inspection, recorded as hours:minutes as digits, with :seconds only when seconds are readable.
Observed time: 8:30
